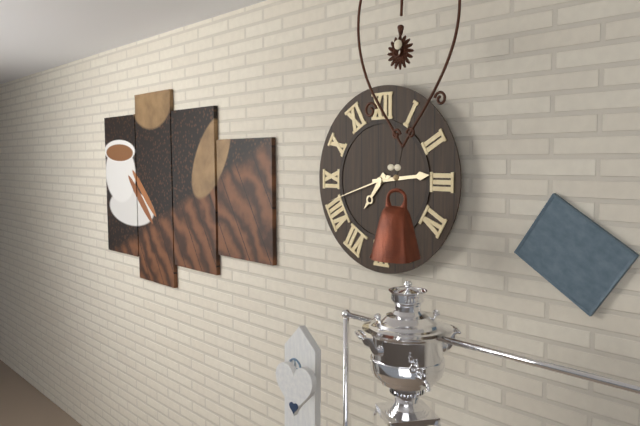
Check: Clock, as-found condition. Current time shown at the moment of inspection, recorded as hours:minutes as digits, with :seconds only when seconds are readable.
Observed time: 7:14:42
